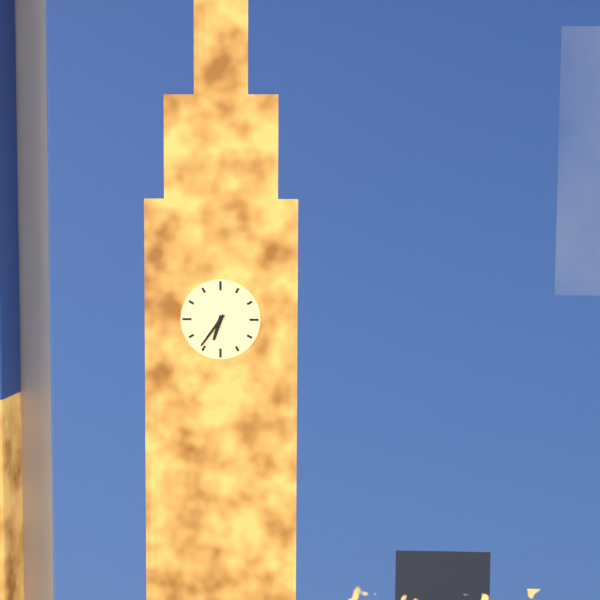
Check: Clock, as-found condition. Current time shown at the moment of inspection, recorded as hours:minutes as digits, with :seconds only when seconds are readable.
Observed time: 6:36
